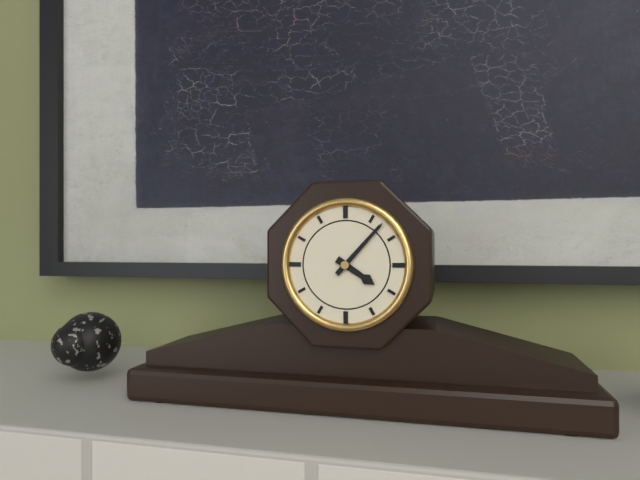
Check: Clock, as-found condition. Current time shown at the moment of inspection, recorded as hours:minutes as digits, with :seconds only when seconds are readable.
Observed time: 4:07
